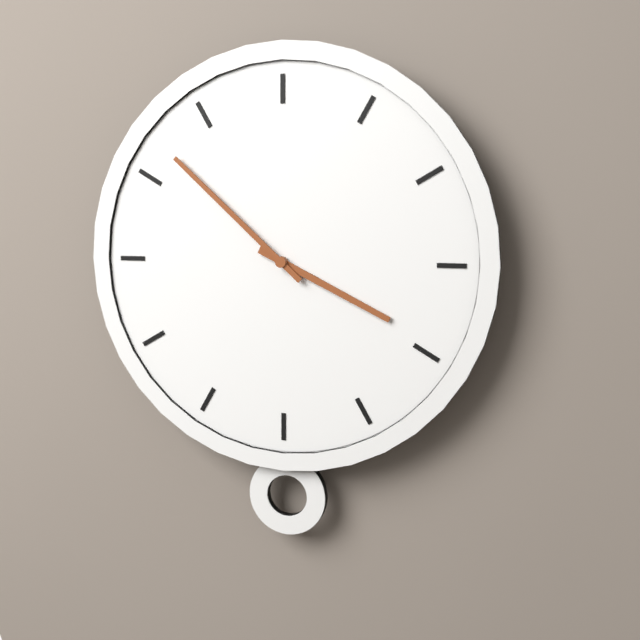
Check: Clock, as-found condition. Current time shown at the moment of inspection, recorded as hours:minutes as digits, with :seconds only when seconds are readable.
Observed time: 3:52
